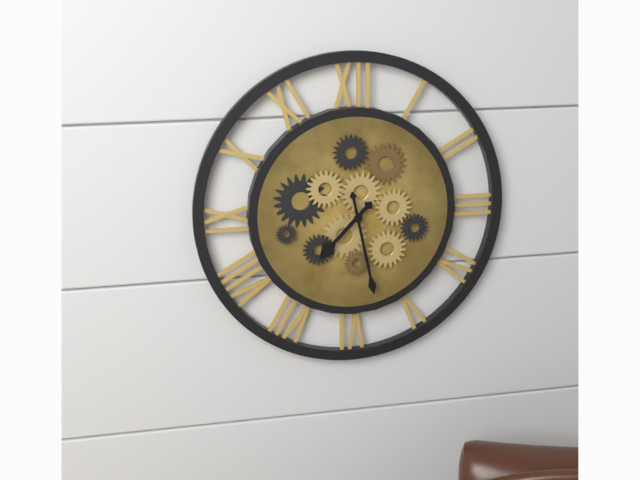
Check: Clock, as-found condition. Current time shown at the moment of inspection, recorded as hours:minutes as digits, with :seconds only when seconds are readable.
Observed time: 7:28
